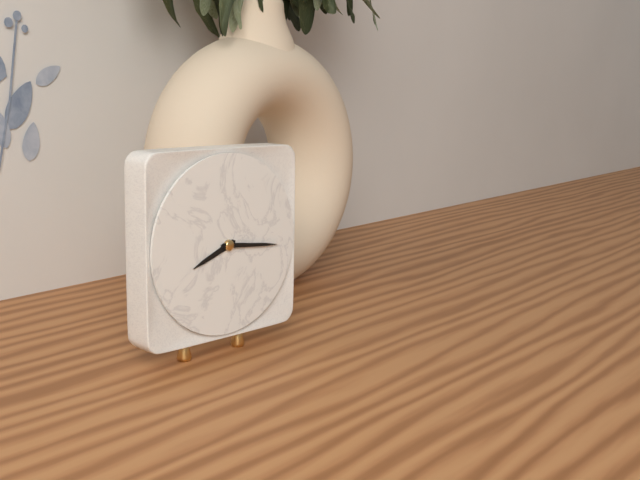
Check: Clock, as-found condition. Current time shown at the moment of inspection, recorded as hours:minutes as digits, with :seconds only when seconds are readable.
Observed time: 8:16
